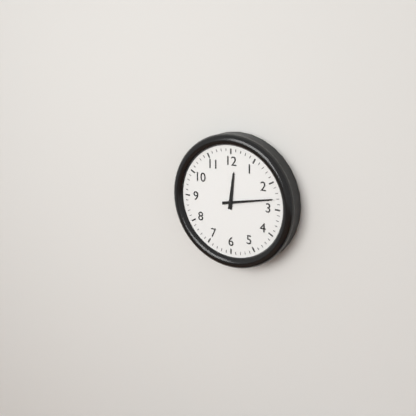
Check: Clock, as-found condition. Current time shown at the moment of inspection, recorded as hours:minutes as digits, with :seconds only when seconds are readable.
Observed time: 12:13
